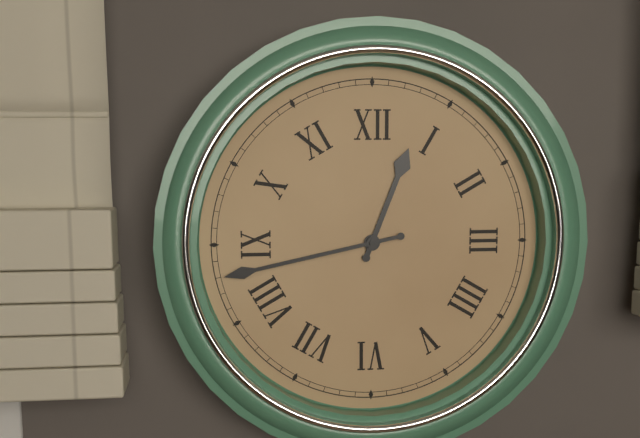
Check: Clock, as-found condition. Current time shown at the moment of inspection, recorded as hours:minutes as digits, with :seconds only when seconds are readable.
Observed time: 12:43
